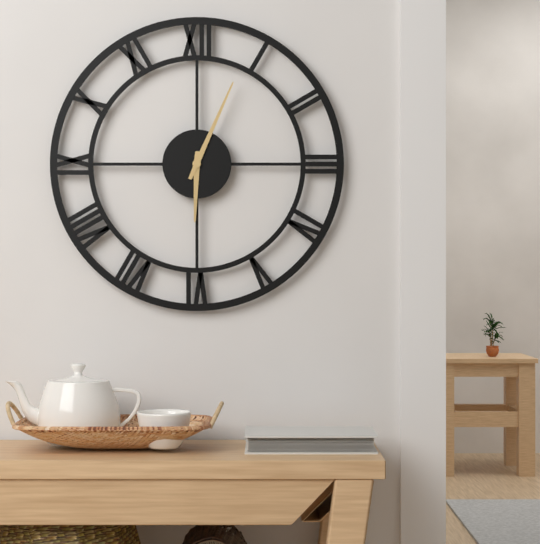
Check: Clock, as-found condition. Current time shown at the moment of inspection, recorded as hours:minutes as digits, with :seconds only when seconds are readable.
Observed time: 6:04
